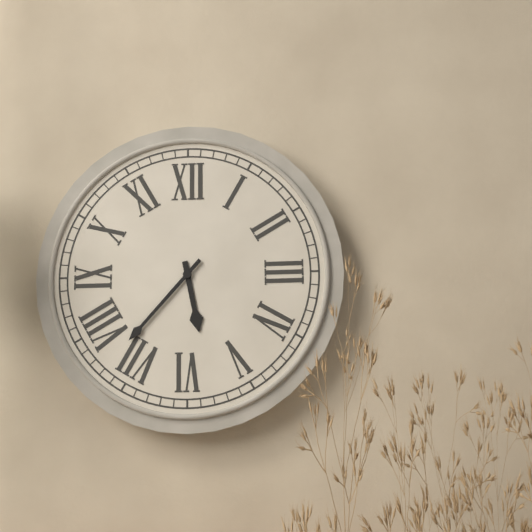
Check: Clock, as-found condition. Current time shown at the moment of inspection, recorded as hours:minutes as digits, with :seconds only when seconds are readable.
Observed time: 5:37
